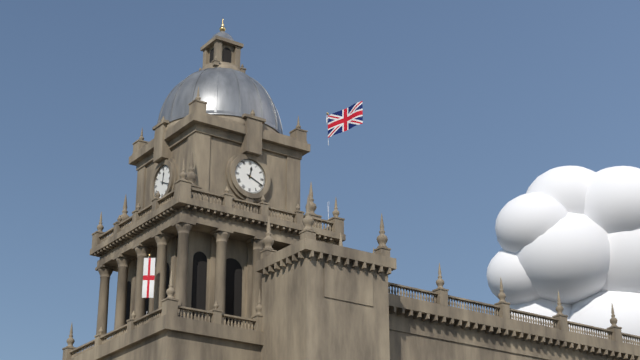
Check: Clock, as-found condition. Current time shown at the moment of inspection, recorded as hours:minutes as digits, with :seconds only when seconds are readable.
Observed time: 12:19
